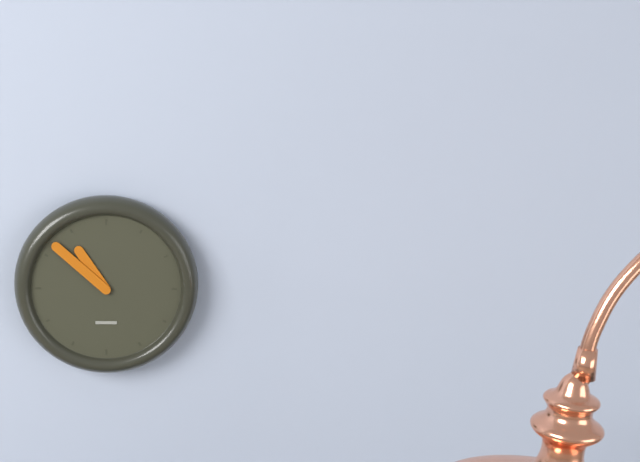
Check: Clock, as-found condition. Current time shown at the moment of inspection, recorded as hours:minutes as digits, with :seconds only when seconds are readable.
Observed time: 10:52
